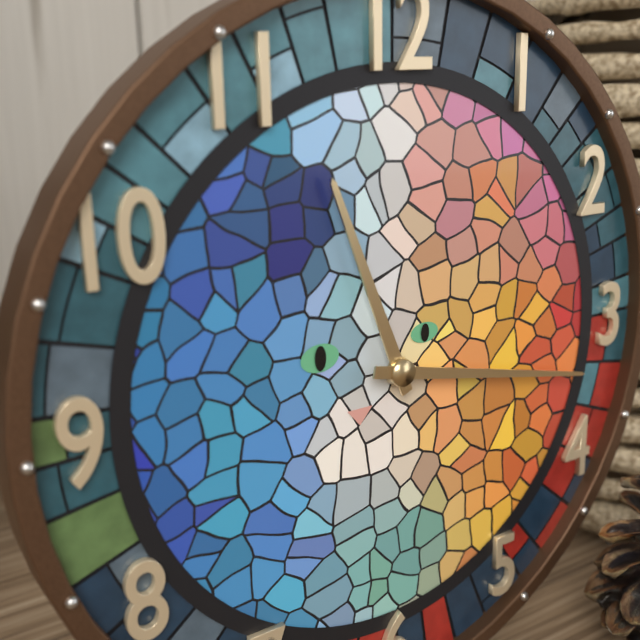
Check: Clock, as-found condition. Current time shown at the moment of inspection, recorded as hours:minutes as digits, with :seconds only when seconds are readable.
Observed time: 11:17
